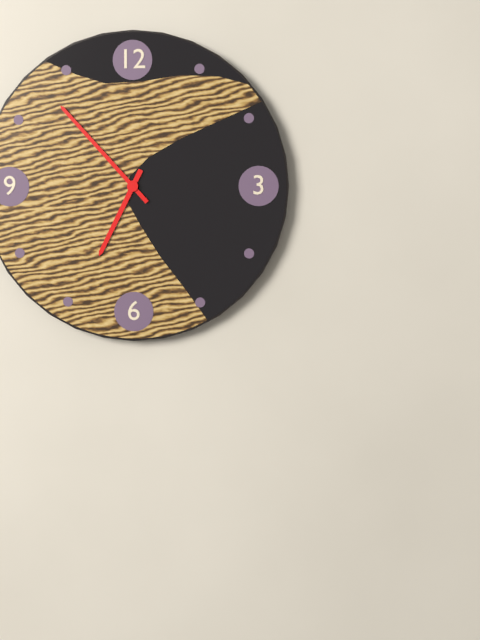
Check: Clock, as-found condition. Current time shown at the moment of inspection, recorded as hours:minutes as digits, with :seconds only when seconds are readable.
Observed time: 6:53
